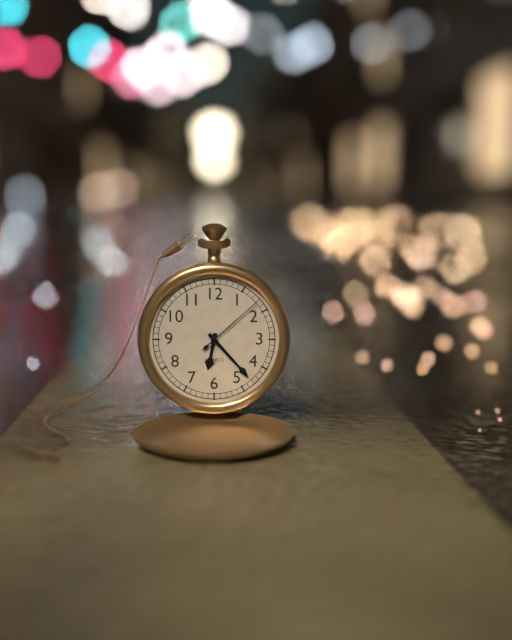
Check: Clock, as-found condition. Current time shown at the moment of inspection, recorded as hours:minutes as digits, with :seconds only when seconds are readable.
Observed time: 6:23:08
